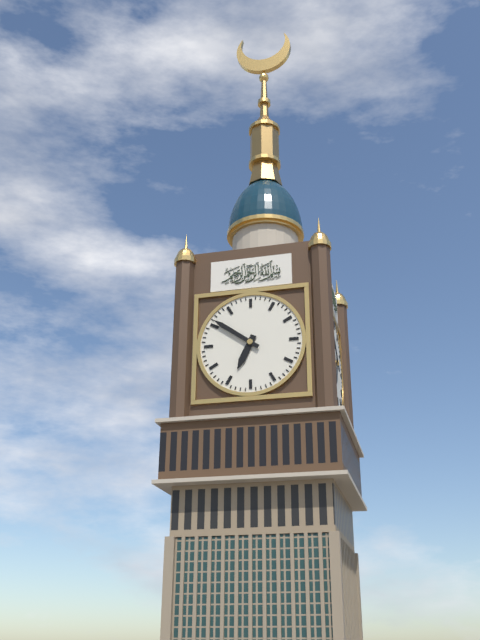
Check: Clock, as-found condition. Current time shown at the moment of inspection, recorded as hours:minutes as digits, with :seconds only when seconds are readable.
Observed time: 6:51
